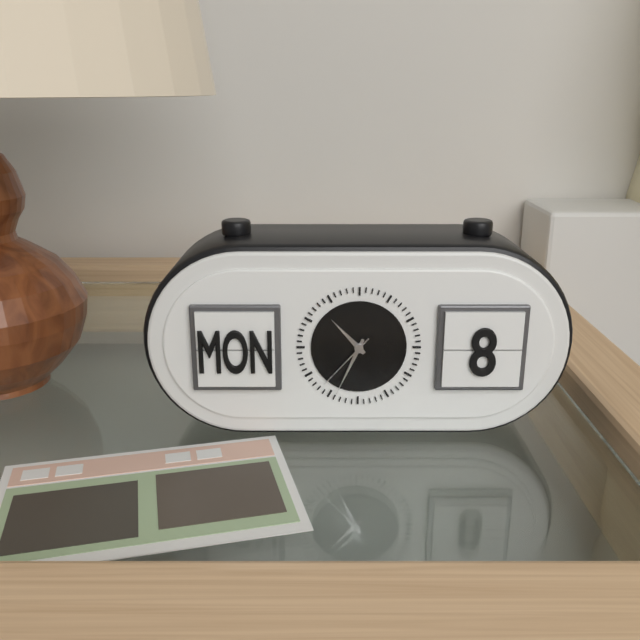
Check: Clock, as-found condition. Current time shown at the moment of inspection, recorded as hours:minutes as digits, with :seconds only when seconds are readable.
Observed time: 10:34:37
